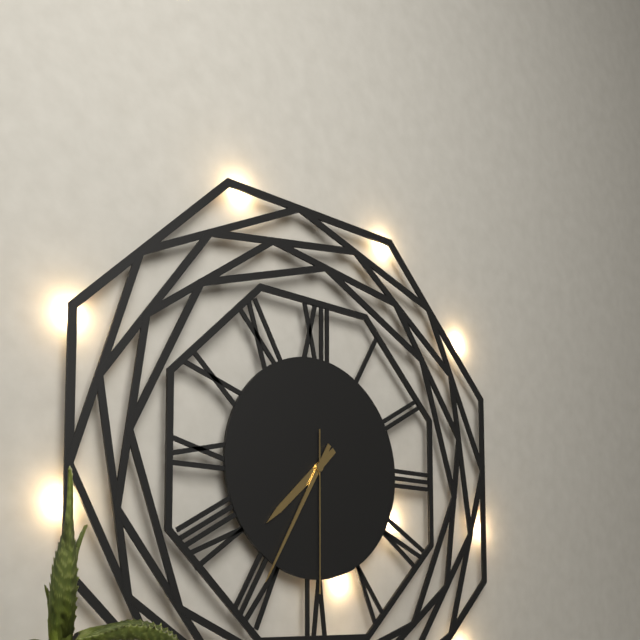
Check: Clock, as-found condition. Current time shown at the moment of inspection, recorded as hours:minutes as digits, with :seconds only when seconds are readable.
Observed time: 7:35:30
